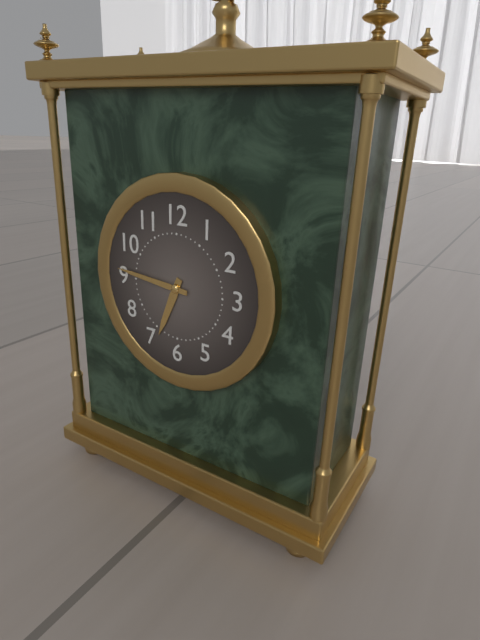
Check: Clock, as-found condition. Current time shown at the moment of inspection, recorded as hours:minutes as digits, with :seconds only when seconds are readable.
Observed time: 6:46
